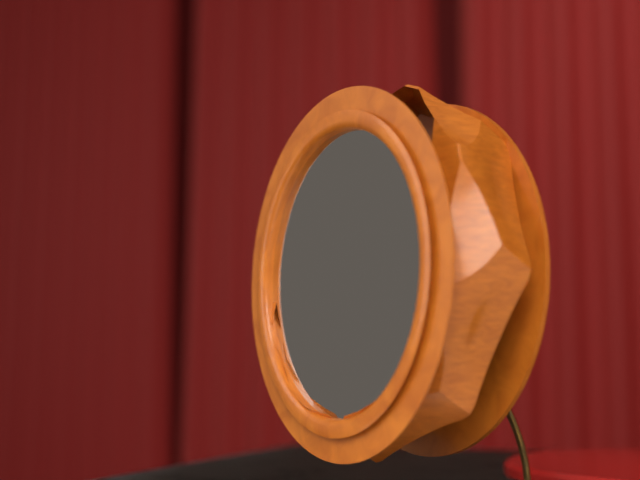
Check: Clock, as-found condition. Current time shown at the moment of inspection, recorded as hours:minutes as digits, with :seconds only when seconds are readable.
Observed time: 4:31:28
